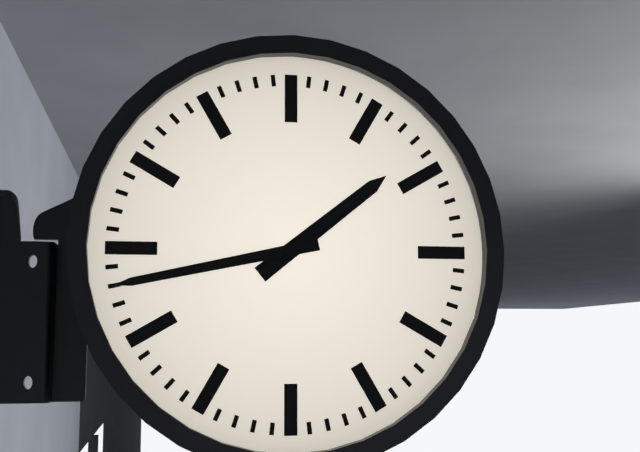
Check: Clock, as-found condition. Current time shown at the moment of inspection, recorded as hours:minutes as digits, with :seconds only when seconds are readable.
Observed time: 1:43
